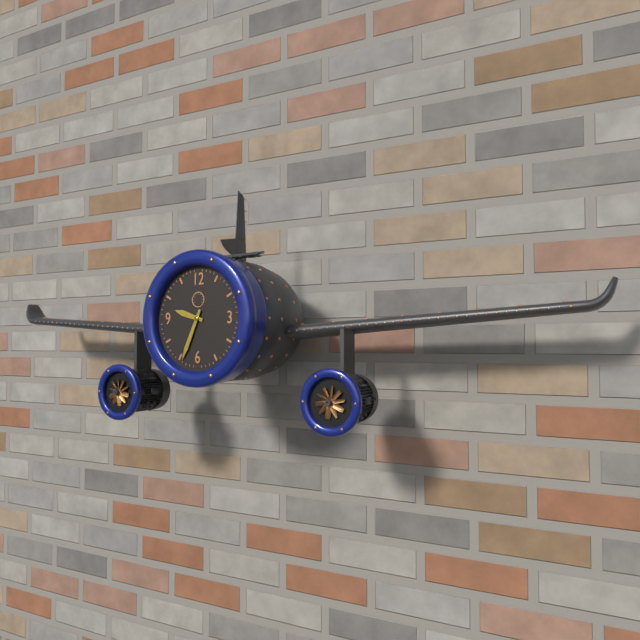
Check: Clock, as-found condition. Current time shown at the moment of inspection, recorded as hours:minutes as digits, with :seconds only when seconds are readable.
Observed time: 9:34
